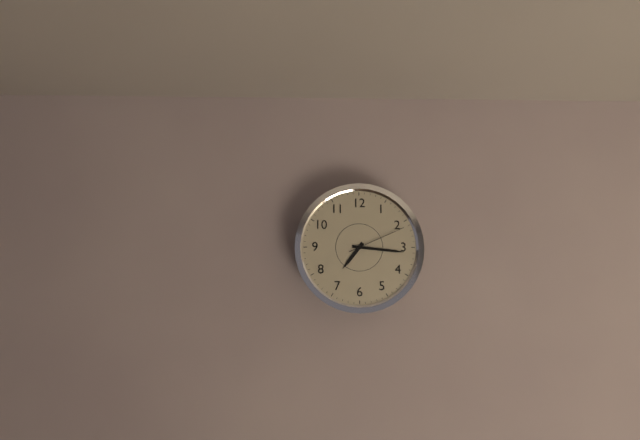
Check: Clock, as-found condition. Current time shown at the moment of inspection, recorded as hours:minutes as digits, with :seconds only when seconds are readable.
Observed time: 7:16:11
